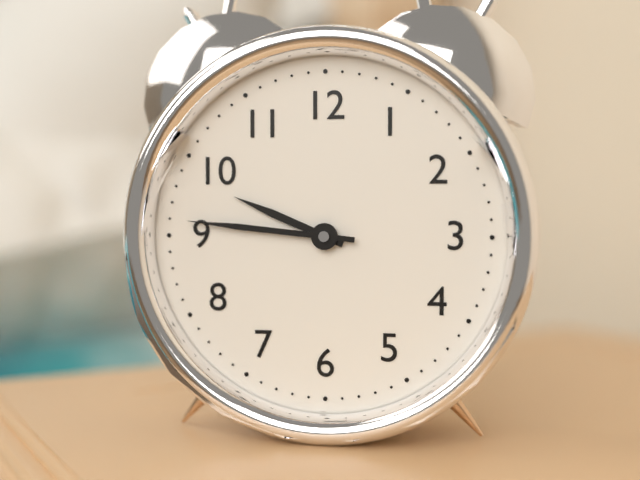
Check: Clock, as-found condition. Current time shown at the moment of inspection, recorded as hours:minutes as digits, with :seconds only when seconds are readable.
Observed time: 9:46
